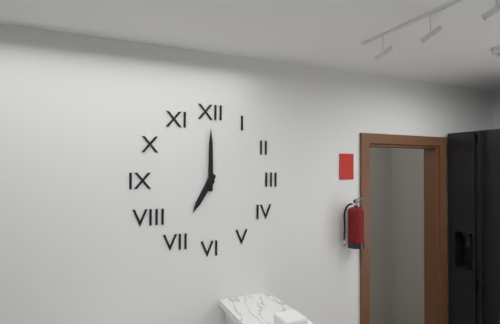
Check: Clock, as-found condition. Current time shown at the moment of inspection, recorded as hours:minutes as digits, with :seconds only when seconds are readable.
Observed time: 7:00
